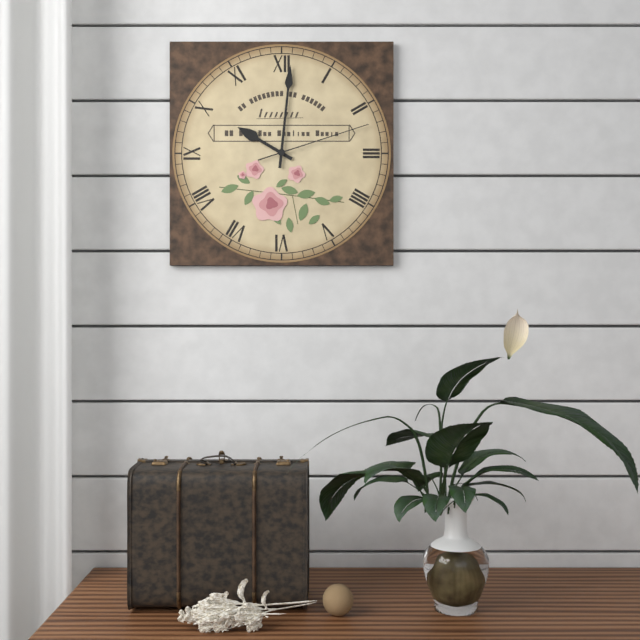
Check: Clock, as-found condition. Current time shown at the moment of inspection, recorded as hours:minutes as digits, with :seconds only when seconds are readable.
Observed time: 10:01:12
